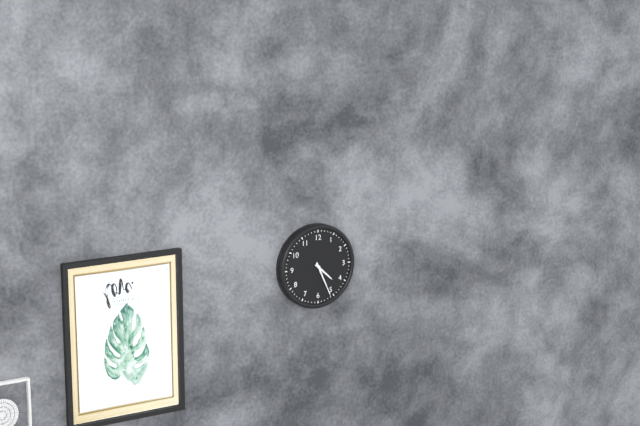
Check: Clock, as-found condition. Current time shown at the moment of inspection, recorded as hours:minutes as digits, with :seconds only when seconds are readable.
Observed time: 4:26
